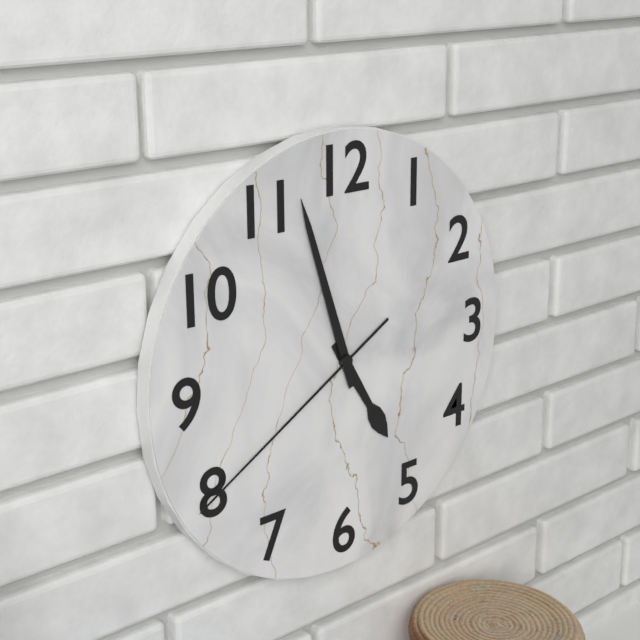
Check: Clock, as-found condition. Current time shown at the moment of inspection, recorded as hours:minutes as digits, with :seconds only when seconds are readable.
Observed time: 4:57:40
